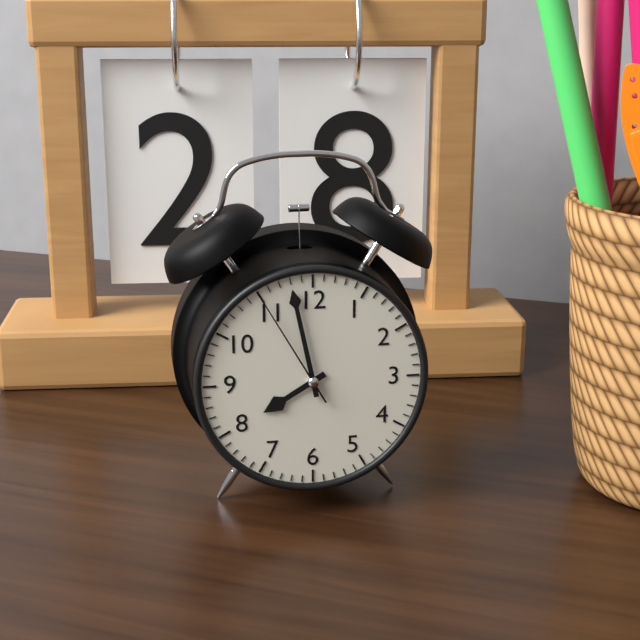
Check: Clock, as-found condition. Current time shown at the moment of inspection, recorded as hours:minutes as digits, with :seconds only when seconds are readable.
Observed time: 7:58:55
